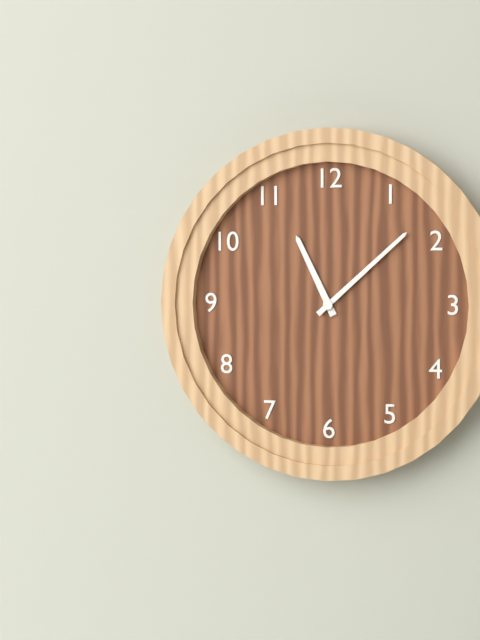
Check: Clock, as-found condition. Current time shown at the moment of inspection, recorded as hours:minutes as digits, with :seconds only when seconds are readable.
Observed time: 11:08
